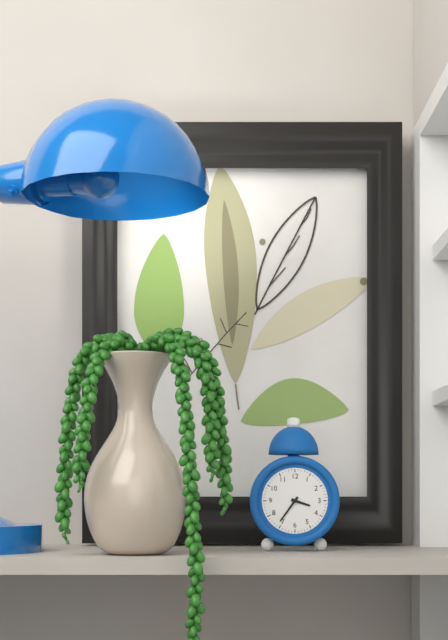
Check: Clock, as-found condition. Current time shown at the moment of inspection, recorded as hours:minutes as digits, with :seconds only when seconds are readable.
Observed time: 3:36
